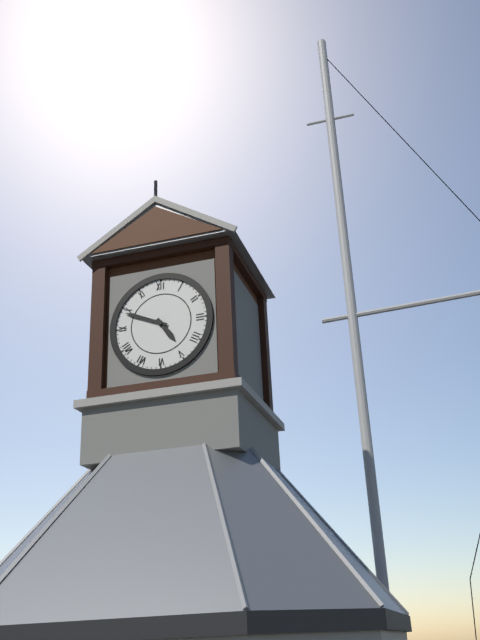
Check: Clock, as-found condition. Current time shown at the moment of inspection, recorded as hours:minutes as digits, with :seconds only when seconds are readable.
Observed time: 4:49
